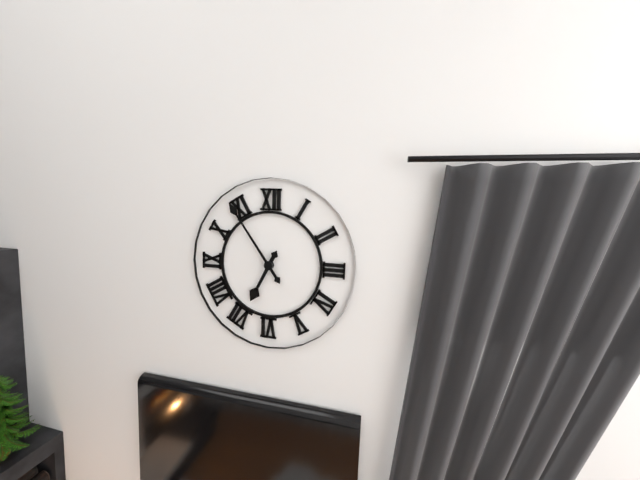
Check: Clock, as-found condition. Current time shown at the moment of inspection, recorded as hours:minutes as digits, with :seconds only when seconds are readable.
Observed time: 6:54
